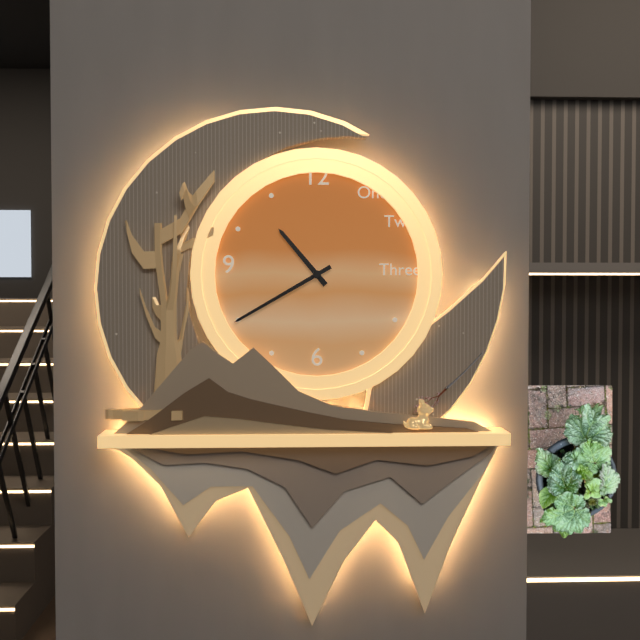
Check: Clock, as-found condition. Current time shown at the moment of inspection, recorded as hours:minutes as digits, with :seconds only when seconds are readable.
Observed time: 10:40
